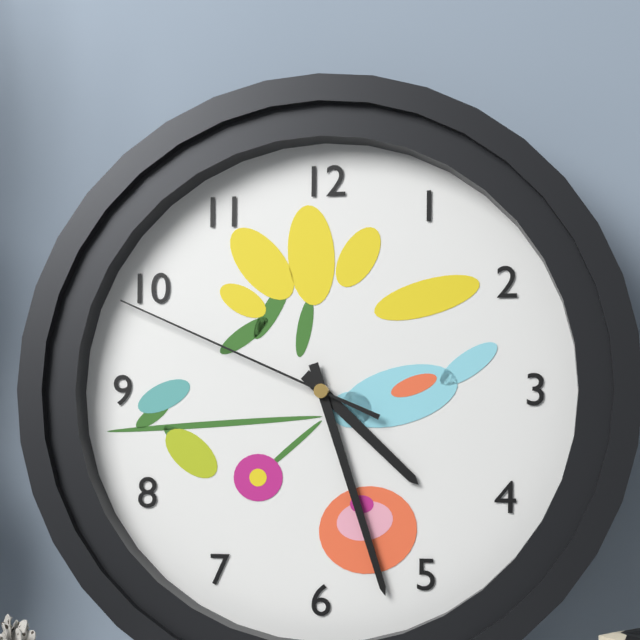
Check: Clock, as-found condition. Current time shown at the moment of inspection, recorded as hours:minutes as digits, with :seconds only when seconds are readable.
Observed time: 4:27:49
